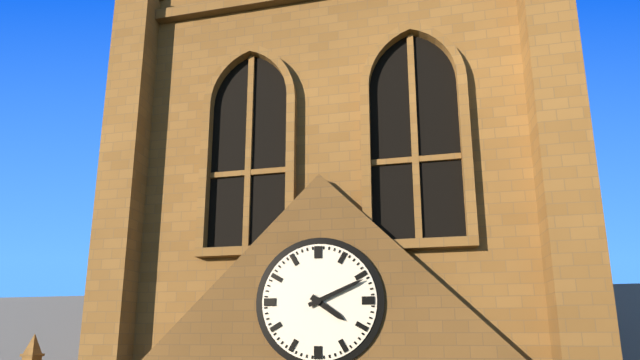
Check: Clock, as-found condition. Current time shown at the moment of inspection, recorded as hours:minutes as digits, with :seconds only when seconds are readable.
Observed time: 4:11
